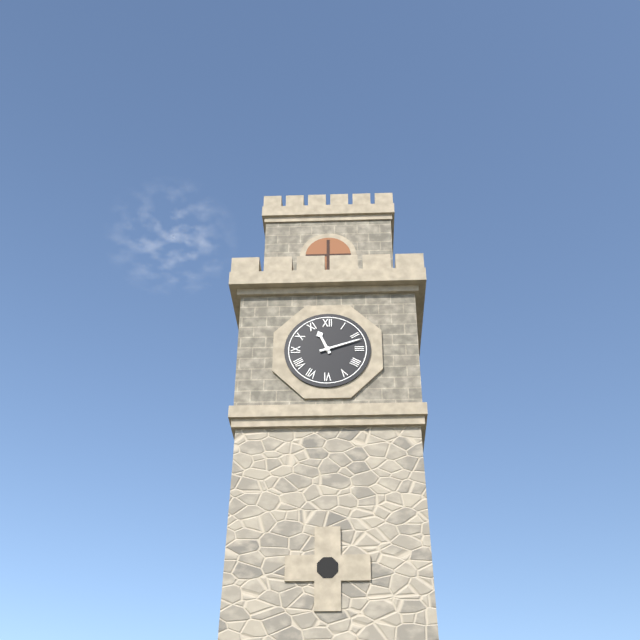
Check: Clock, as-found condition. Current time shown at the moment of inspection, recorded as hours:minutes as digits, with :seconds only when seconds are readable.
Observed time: 11:12
